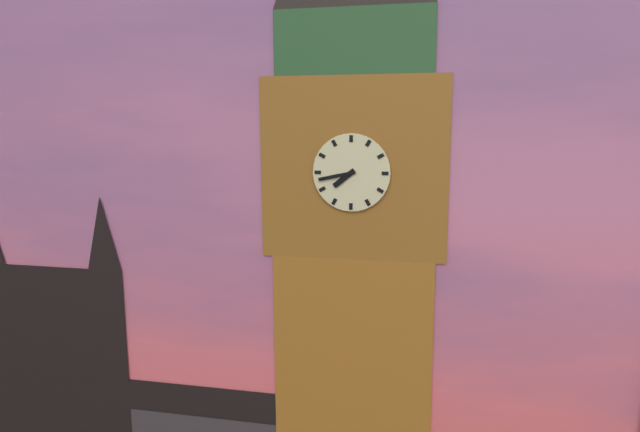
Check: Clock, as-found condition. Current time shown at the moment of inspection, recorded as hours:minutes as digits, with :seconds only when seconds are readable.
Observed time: 7:43
